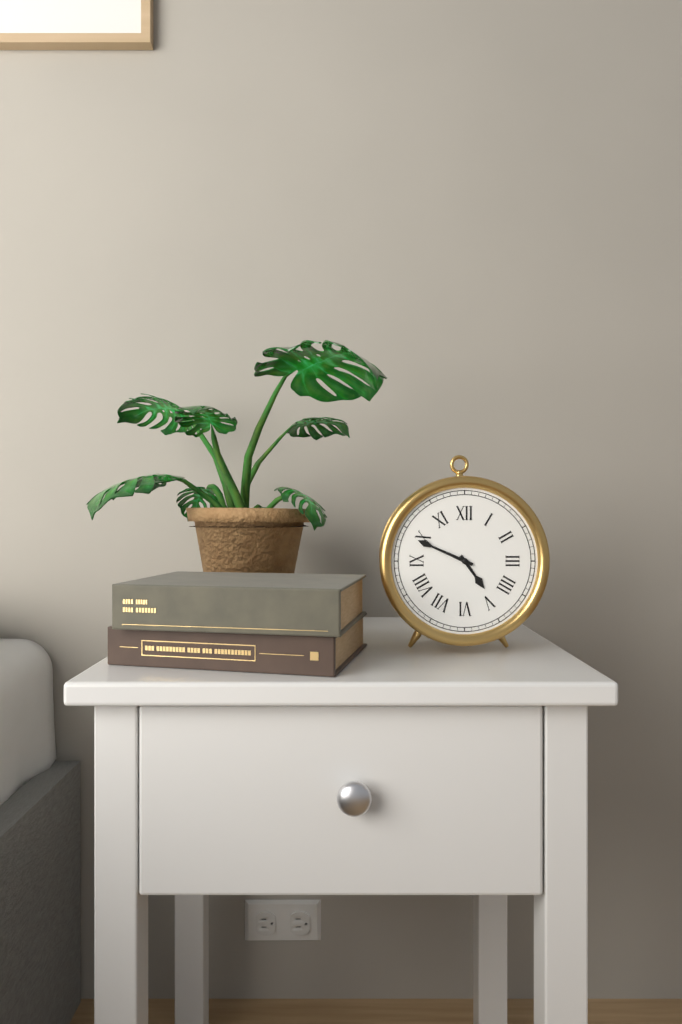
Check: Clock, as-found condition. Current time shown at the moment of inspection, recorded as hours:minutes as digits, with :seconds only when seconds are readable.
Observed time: 4:49
